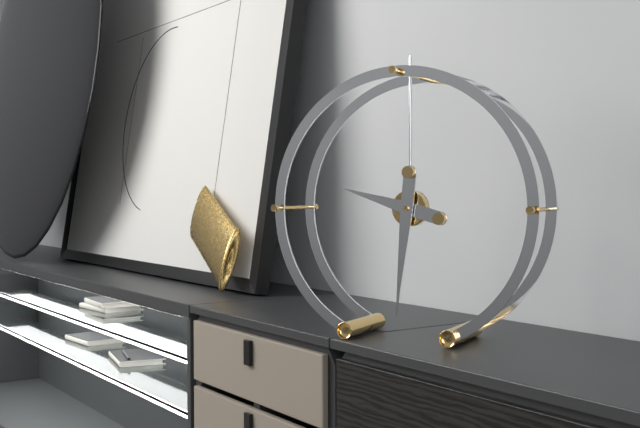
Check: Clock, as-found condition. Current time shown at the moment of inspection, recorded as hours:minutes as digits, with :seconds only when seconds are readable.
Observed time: 9:31
